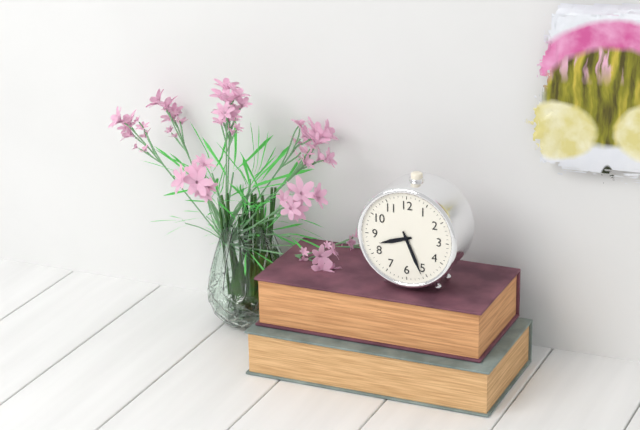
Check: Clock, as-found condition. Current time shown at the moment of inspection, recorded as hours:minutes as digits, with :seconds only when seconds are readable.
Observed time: 8:26
